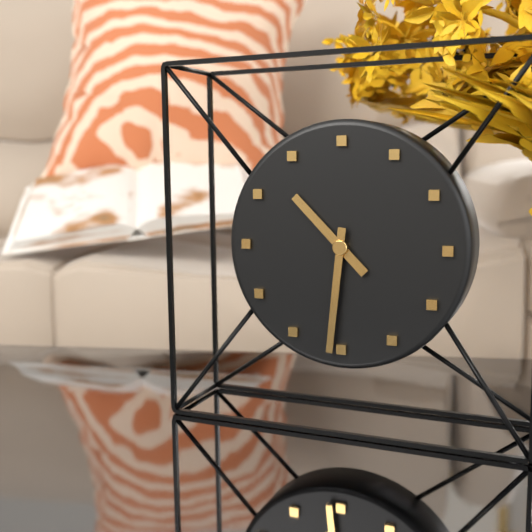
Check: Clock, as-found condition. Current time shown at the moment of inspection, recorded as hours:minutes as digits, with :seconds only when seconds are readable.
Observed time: 10:31
